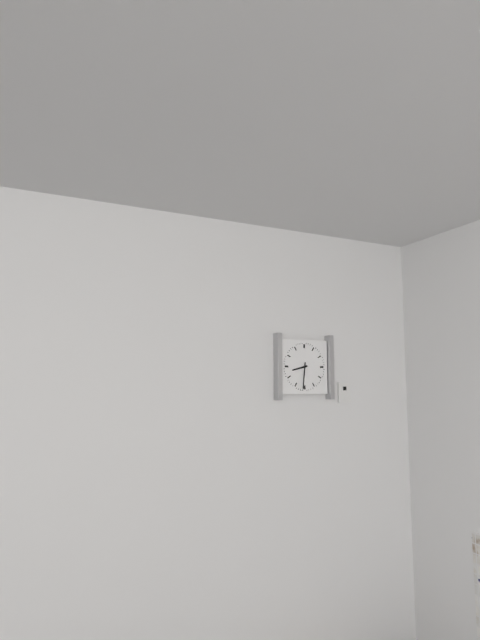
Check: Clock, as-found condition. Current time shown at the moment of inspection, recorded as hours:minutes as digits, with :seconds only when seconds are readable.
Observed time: 8:31
